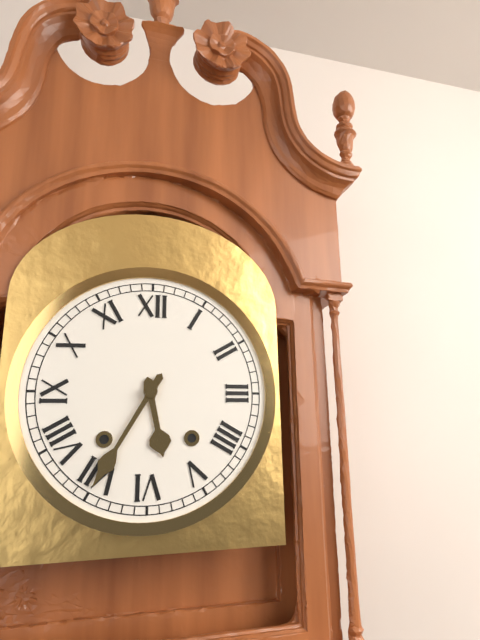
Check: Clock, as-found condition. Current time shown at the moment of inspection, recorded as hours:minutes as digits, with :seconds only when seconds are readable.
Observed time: 5:35
